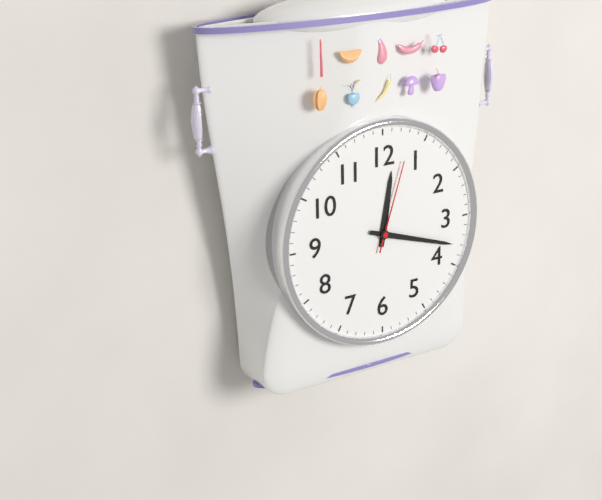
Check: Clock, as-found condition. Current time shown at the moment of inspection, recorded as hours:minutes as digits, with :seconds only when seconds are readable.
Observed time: 12:18:03
